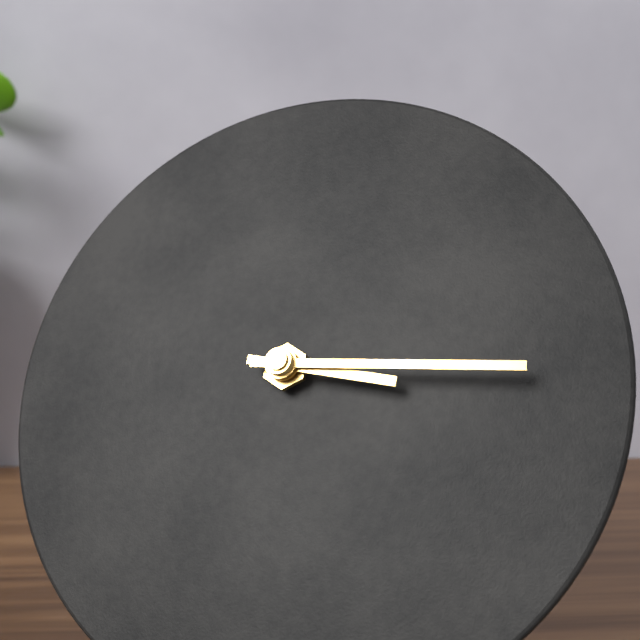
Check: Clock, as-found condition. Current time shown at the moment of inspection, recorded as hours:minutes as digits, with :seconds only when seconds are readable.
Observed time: 3:15
